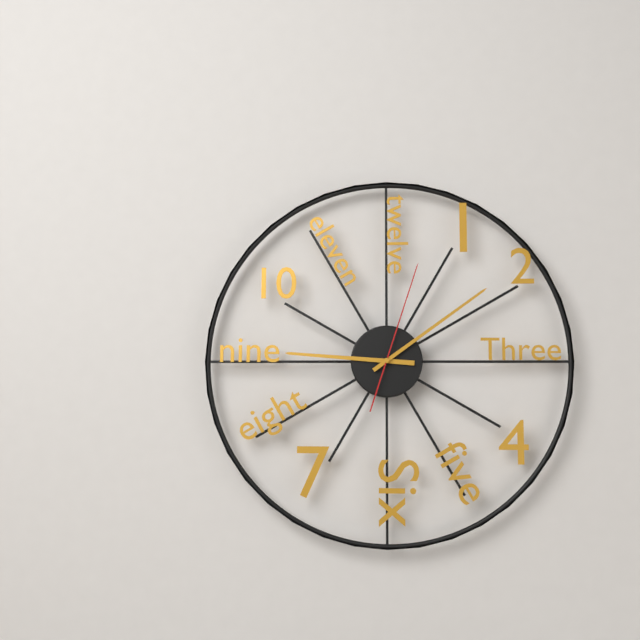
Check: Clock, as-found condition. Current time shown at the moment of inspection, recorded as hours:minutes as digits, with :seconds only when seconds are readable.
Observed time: 9:09:03
